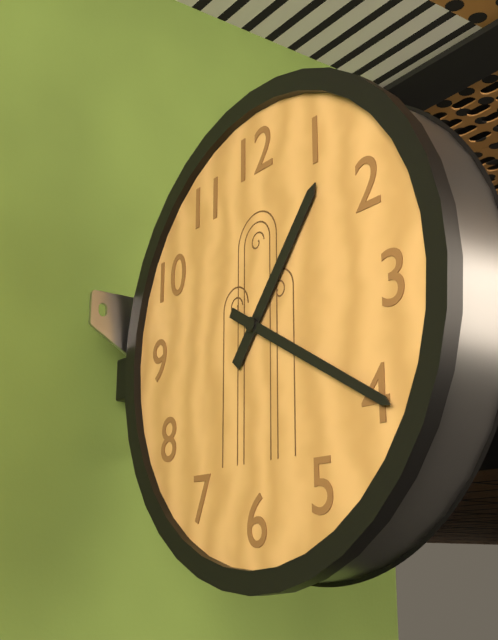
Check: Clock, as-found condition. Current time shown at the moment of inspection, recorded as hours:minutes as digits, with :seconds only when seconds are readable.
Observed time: 1:20
